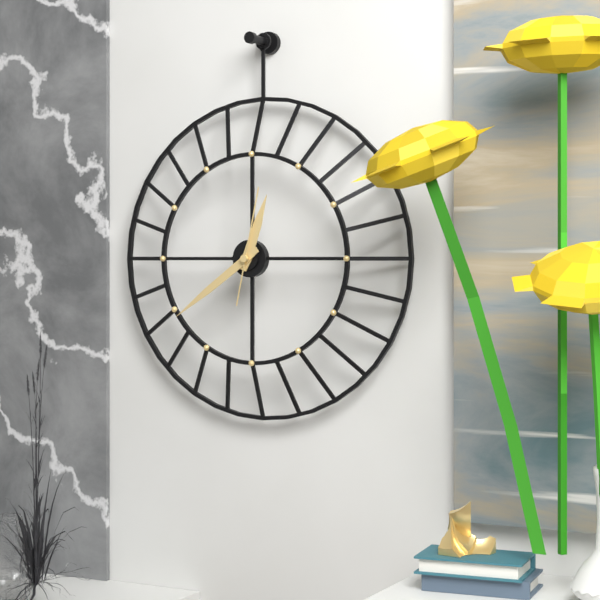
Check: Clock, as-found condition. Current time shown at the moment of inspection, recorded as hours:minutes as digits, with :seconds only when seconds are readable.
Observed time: 12:39:02
